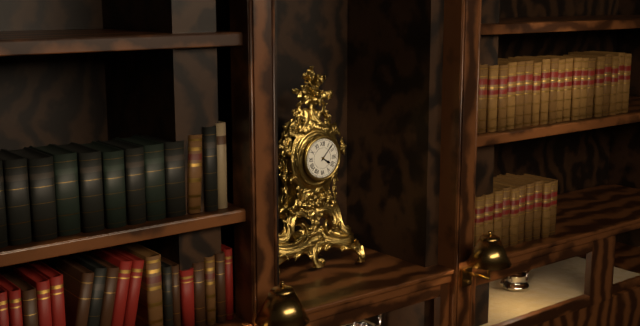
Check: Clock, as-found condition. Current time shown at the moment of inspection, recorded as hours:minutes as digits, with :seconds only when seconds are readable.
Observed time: 4:07
